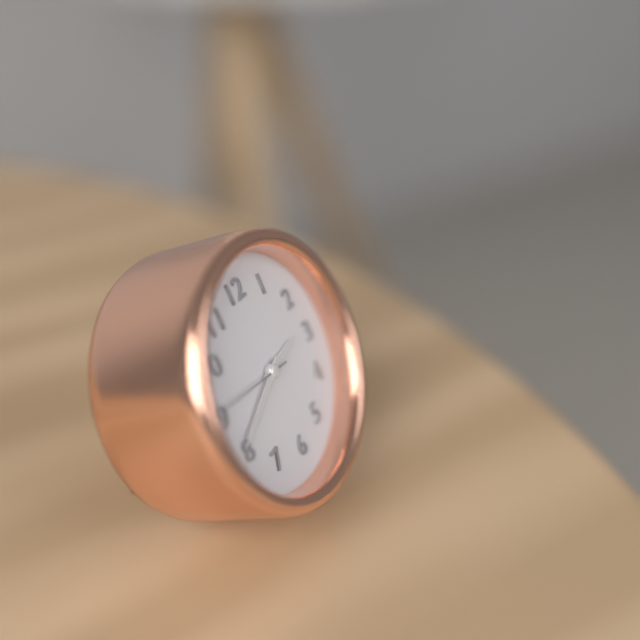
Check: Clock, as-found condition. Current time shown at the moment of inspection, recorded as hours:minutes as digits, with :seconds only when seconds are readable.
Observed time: 2:41:46
